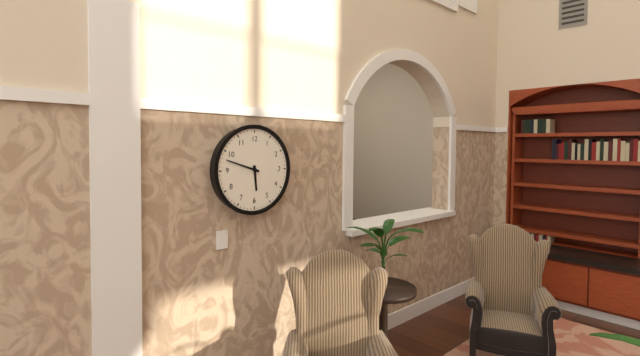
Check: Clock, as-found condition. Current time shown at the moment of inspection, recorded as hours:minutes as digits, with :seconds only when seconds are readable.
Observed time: 5:48
